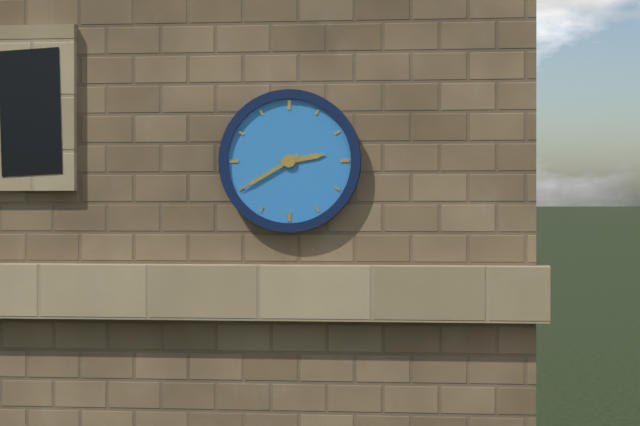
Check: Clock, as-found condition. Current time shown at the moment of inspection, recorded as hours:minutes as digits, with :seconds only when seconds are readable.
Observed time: 2:40
